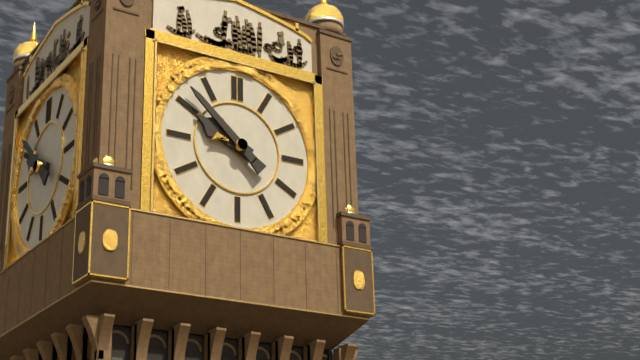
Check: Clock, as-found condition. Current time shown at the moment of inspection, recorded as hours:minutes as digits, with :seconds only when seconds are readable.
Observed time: 9:52
